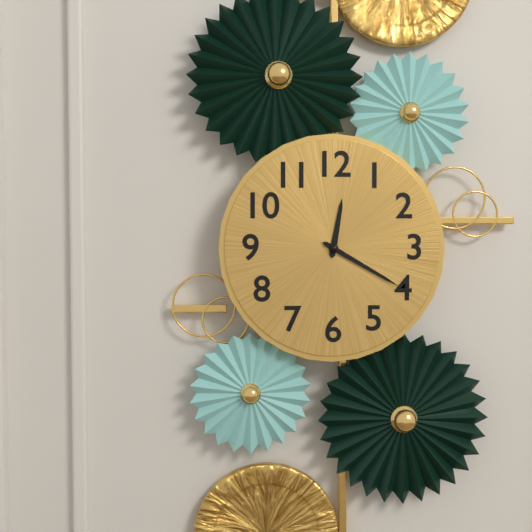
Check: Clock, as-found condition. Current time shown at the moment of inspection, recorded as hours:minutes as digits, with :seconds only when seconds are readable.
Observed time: 12:20
